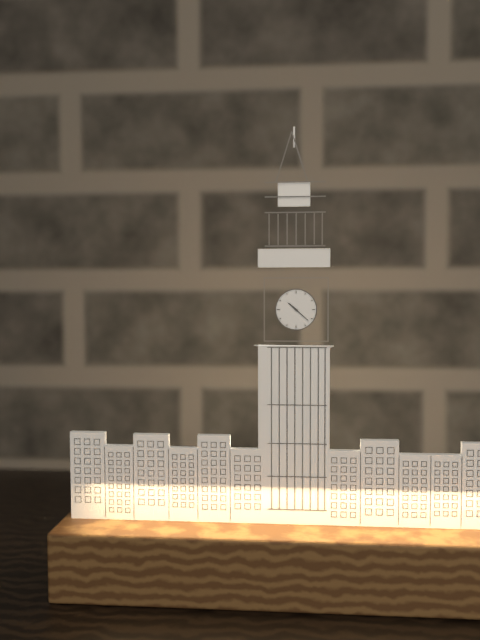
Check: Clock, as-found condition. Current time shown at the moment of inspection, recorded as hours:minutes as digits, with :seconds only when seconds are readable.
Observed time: 10:22
